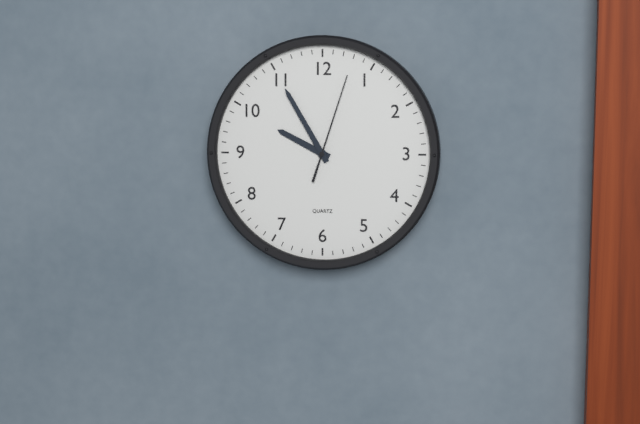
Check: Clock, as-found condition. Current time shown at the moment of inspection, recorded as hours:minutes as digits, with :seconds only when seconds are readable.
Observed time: 9:55:03
